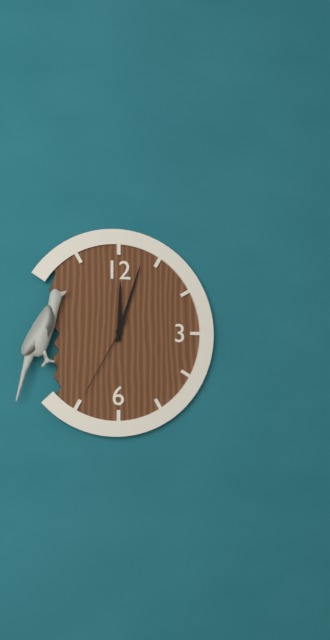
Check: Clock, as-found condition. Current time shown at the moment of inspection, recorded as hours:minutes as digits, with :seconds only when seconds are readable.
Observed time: 12:03:35
